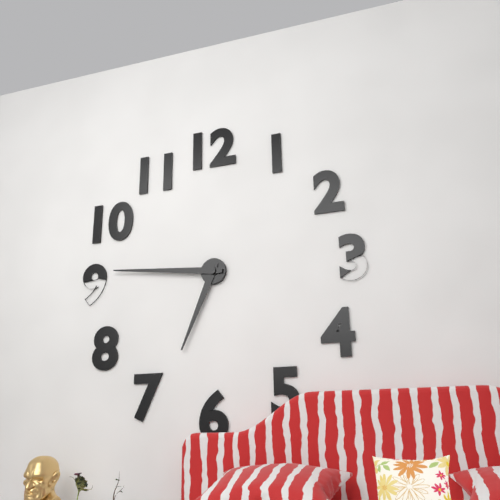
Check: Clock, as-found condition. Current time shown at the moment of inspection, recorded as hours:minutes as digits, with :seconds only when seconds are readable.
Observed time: 6:46
